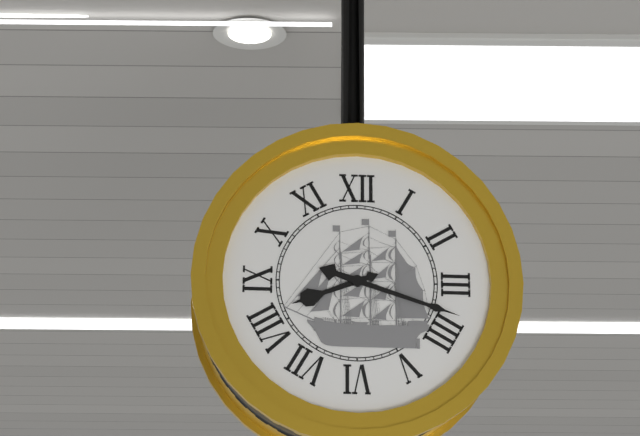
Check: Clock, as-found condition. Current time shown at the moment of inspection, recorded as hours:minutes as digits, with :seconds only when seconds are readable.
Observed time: 8:18
